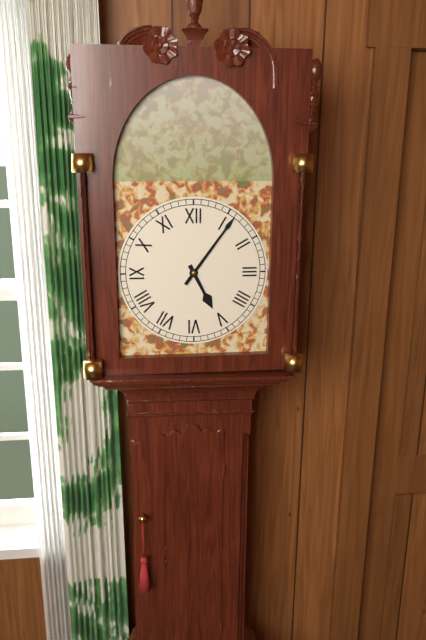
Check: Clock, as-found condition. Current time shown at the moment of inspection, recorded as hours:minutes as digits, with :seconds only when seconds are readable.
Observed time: 5:06
